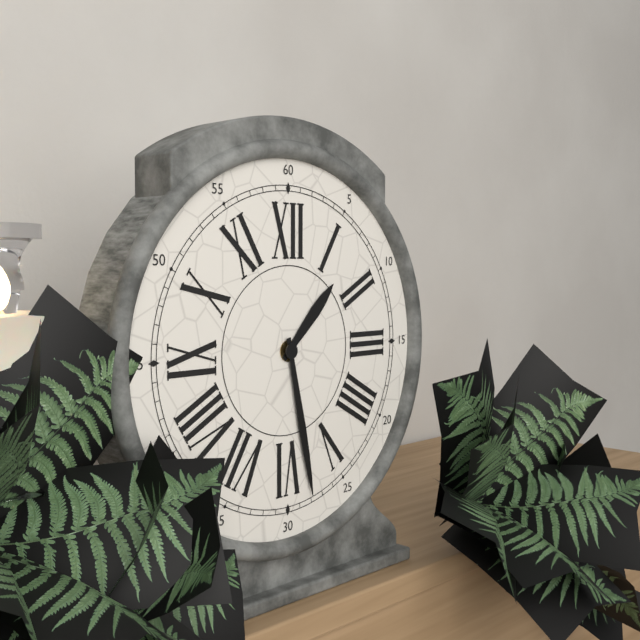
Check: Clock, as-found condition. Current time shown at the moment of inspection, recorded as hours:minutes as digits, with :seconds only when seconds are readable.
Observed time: 1:28
